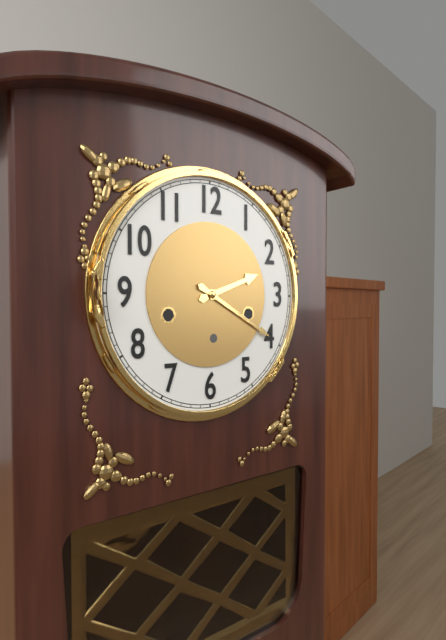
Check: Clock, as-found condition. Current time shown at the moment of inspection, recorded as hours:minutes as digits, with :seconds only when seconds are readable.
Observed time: 2:20
